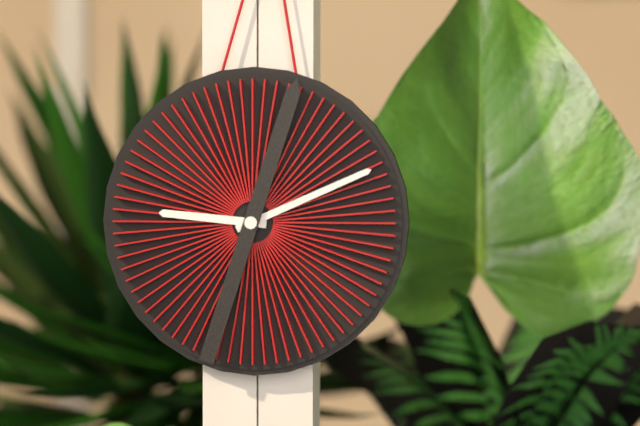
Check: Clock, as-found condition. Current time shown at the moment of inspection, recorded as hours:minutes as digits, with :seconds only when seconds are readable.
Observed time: 9:11:03
